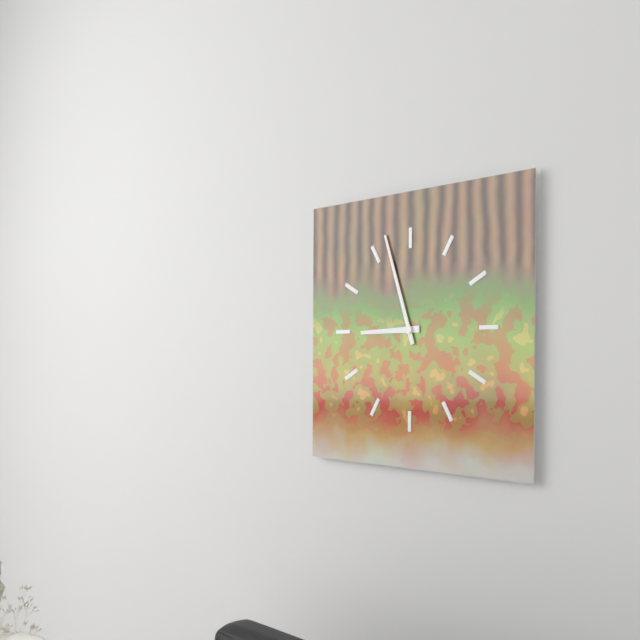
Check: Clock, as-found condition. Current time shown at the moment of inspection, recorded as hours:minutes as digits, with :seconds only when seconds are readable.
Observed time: 8:57
